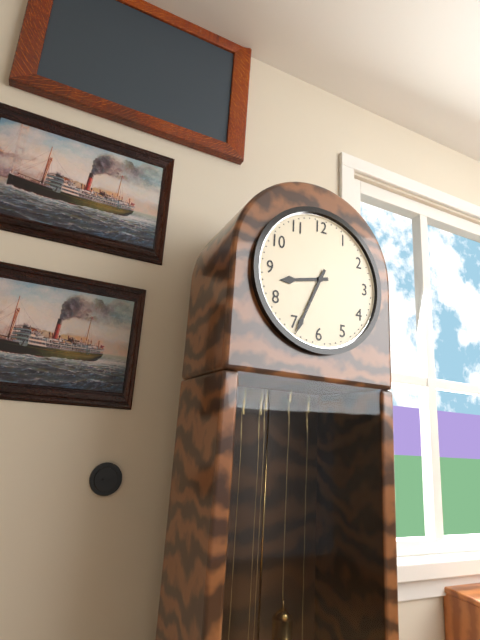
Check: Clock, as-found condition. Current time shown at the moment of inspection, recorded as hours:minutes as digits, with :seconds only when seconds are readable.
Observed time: 8:34
